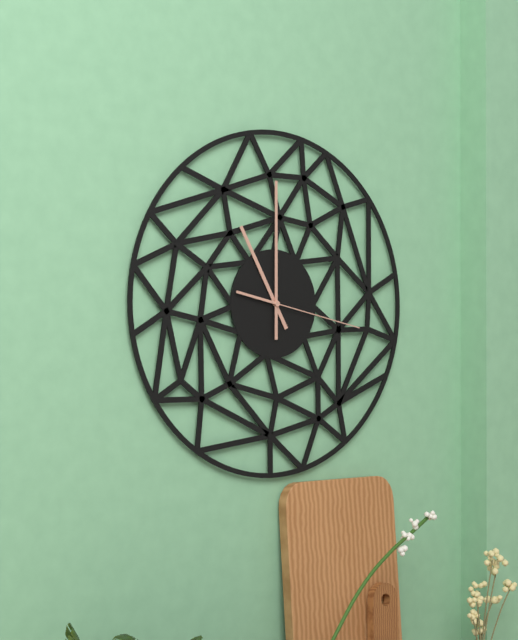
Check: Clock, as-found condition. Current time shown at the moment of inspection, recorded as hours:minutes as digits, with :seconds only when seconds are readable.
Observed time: 11:00:17
